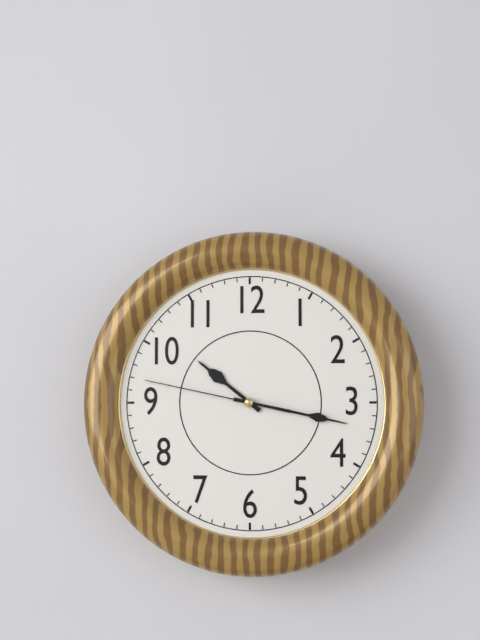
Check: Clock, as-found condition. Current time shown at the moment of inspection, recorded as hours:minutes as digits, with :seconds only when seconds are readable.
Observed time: 10:17:47
